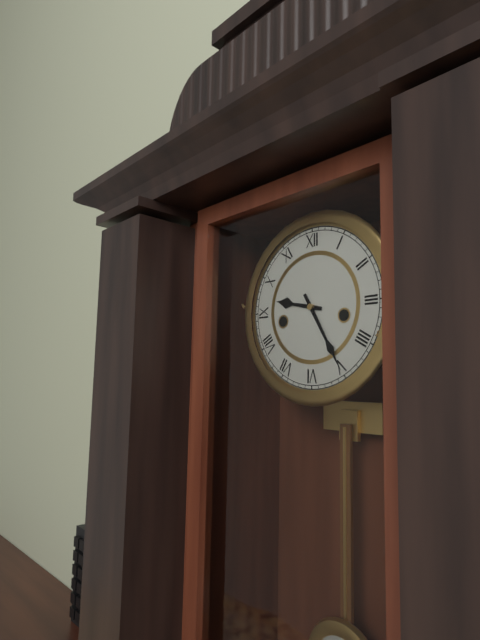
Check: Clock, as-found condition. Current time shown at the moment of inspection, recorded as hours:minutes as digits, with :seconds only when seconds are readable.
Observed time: 9:25
